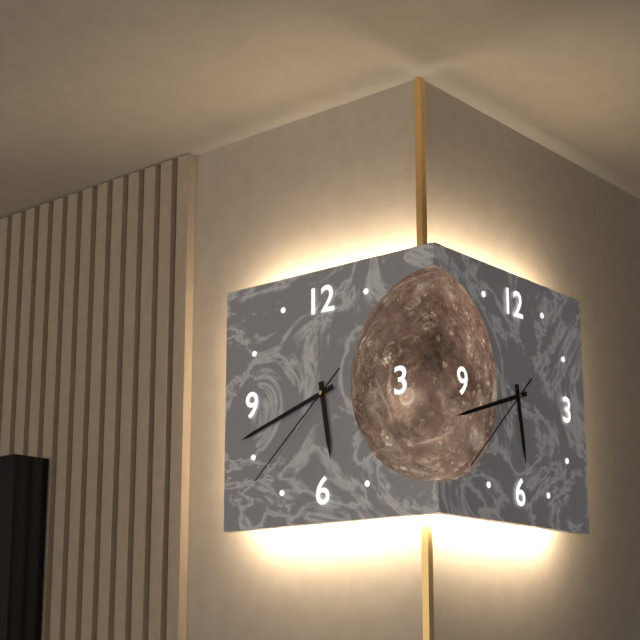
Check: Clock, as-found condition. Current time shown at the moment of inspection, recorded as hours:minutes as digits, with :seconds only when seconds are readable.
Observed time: 5:42:38
